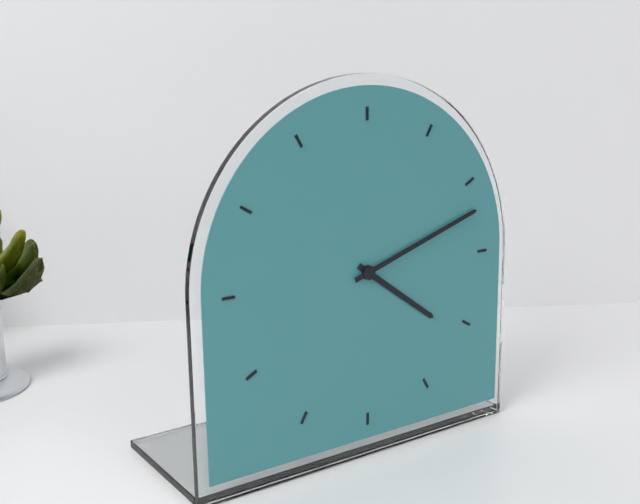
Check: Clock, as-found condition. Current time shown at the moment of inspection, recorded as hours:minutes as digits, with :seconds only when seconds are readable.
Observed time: 4:12
